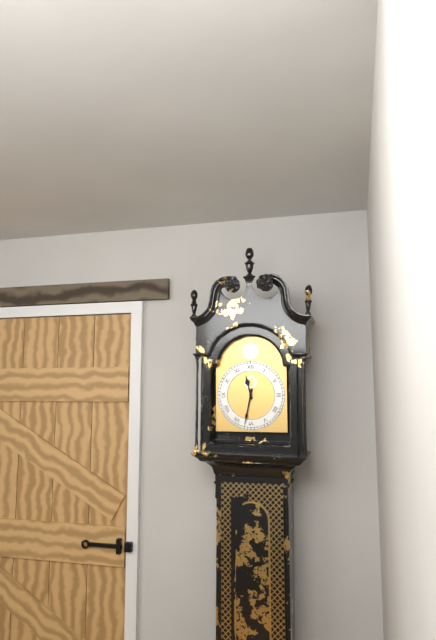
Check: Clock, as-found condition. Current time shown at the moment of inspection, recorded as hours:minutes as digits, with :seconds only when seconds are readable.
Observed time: 11:32
